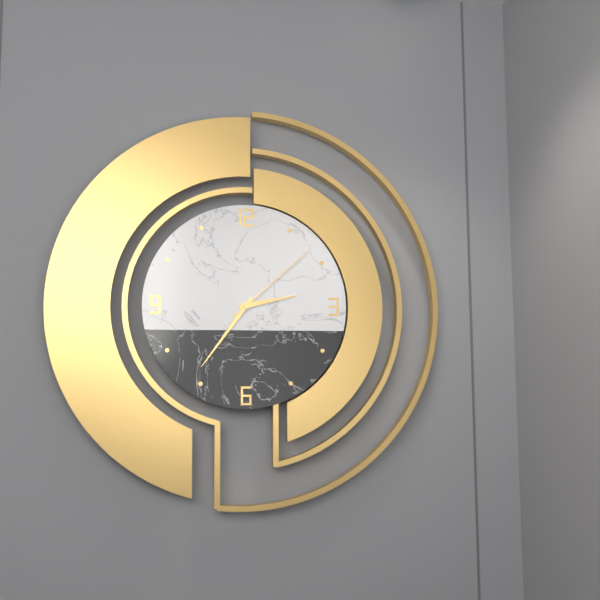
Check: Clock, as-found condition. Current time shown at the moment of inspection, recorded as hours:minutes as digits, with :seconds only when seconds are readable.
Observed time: 2:36:08
